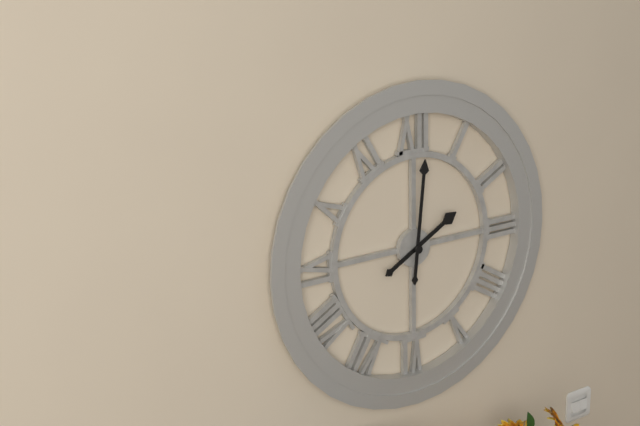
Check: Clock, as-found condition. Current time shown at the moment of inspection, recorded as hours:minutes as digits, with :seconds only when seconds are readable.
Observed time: 2:01
